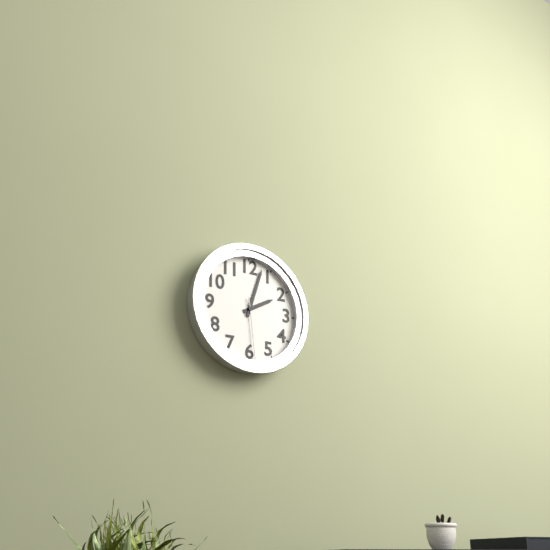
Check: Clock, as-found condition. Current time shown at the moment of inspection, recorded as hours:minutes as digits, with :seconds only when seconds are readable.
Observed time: 2:03:29
